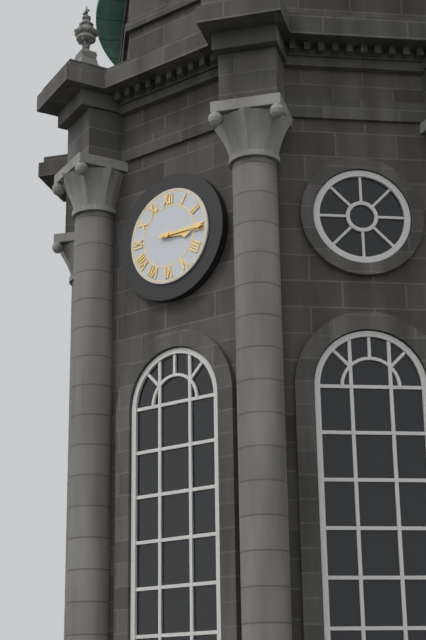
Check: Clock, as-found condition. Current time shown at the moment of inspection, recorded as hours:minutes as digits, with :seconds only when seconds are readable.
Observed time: 3:15
